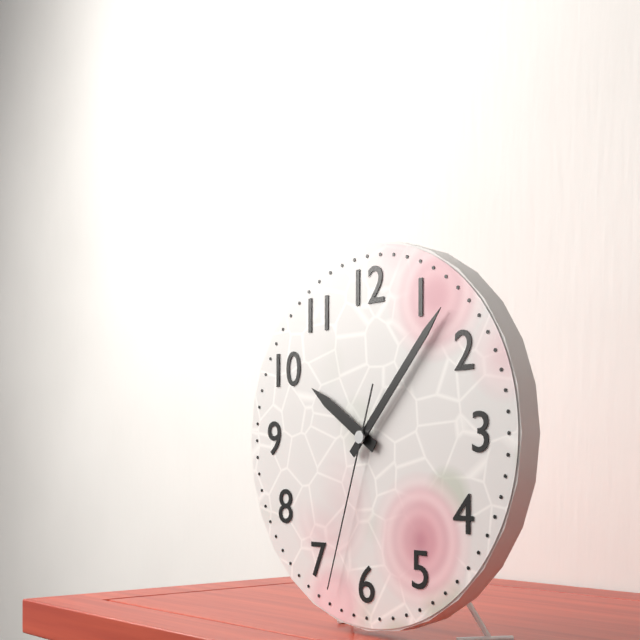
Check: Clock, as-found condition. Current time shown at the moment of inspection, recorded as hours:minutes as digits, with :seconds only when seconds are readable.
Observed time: 10:07:33
